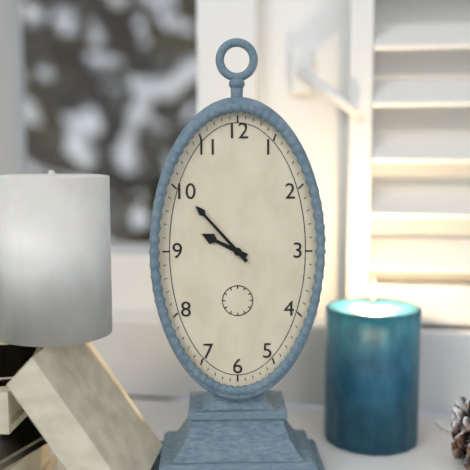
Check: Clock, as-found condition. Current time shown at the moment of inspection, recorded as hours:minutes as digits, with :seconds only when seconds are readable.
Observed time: 9:53
